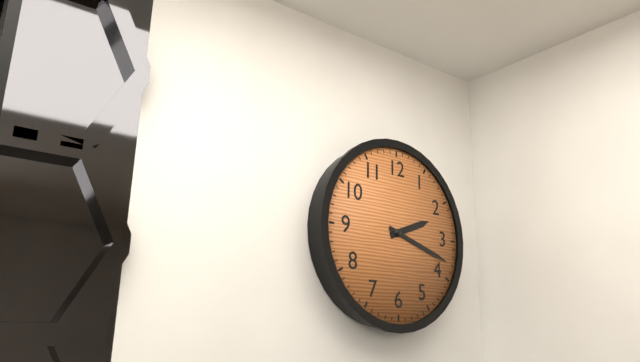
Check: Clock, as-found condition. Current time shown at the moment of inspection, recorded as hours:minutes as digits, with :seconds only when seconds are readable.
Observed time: 2:18
